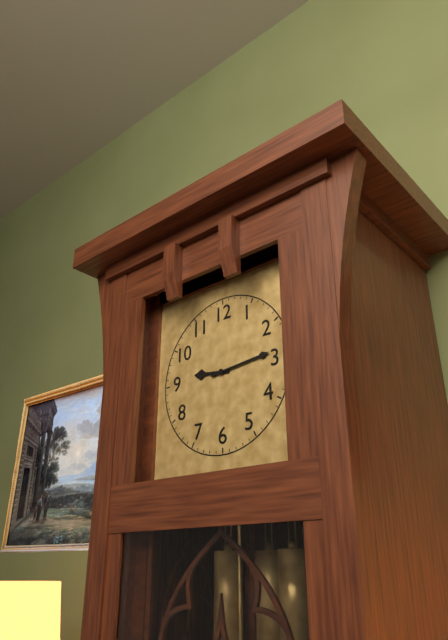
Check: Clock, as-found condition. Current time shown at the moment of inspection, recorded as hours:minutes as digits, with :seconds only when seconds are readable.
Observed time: 9:14
